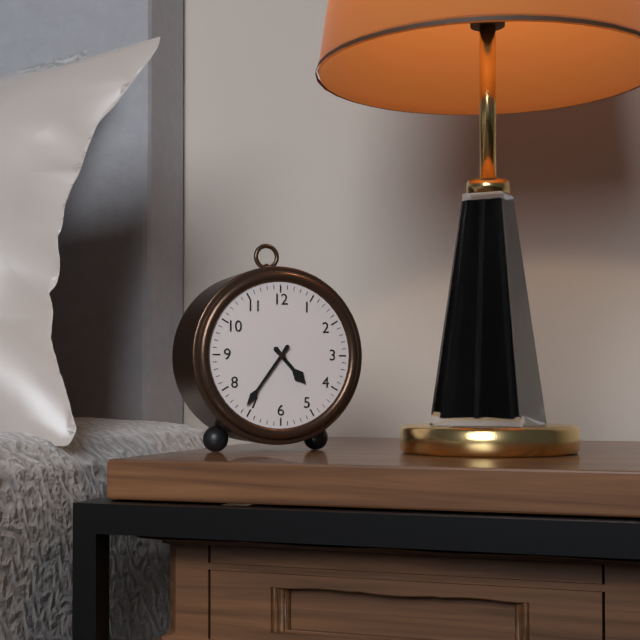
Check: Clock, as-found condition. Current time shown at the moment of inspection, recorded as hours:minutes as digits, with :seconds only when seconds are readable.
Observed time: 4:36
